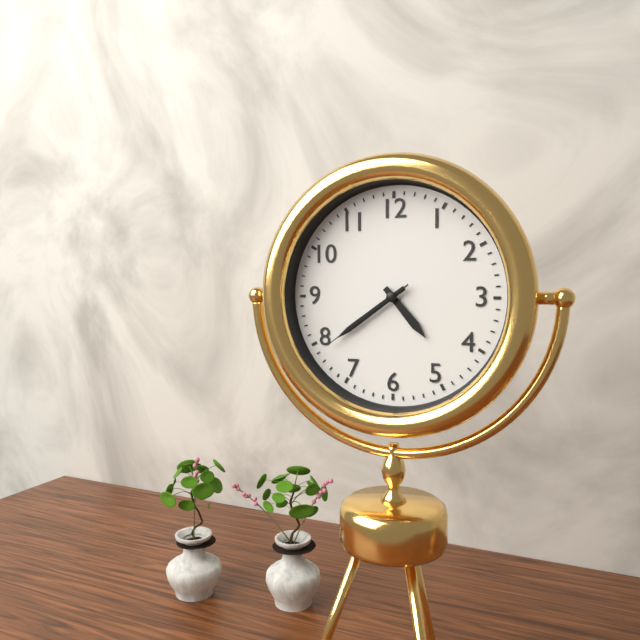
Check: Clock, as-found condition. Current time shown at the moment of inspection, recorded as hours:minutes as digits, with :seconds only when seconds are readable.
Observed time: 4:39:39
